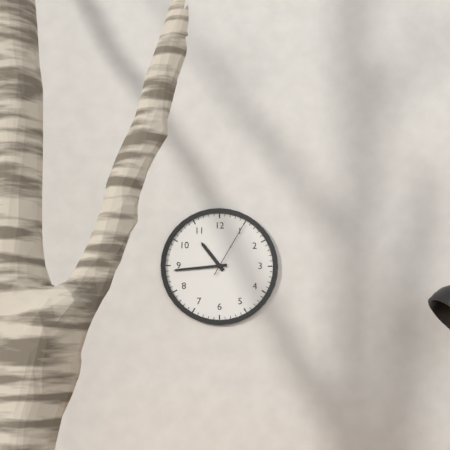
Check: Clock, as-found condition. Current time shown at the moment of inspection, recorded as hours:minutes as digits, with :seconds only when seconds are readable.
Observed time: 10:44:05
